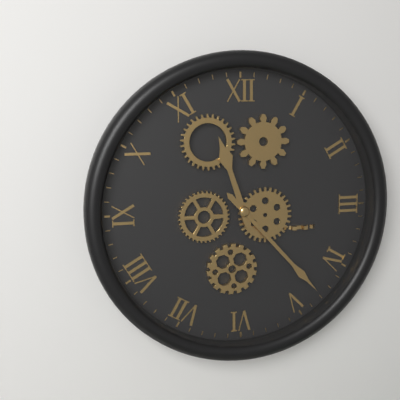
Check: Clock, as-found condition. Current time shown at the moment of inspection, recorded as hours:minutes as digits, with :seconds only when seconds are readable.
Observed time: 11:23
